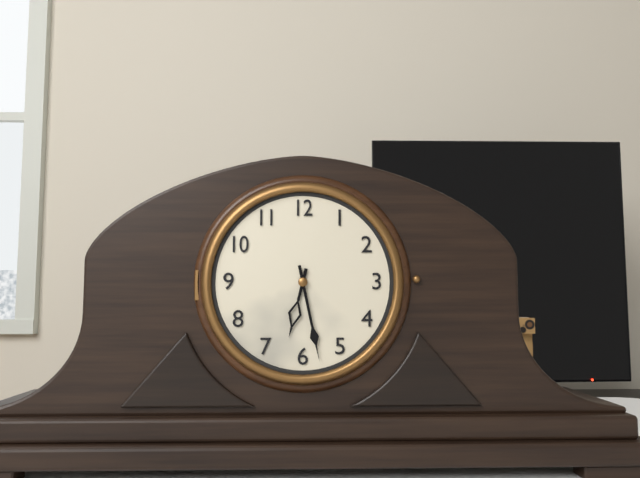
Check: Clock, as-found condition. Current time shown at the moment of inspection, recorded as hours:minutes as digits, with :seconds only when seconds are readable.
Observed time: 6:28
